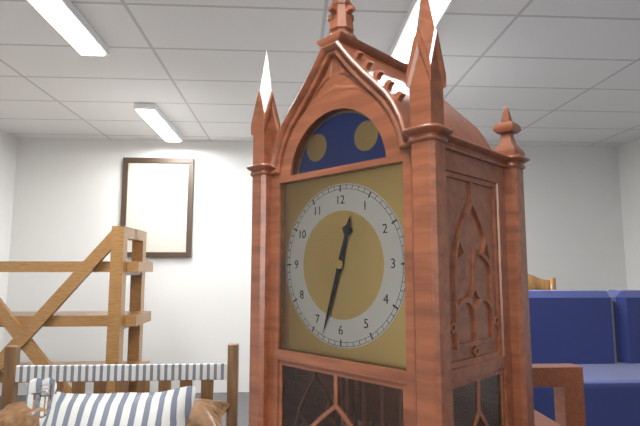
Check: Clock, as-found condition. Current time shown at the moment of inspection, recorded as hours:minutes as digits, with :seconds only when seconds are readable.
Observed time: 12:33
